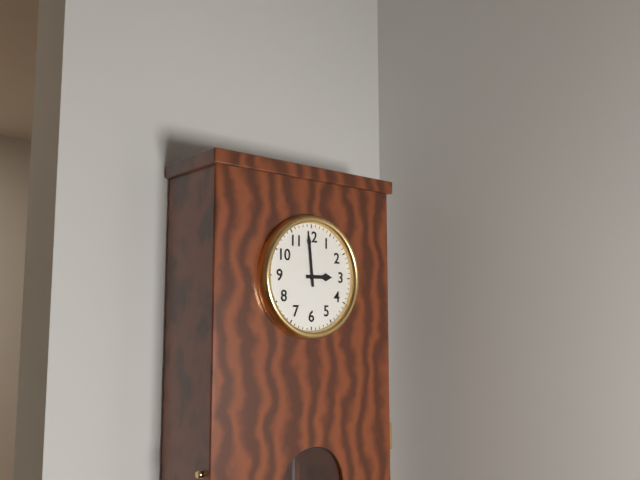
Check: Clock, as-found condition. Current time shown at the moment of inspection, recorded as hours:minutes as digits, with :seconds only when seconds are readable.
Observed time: 2:59
